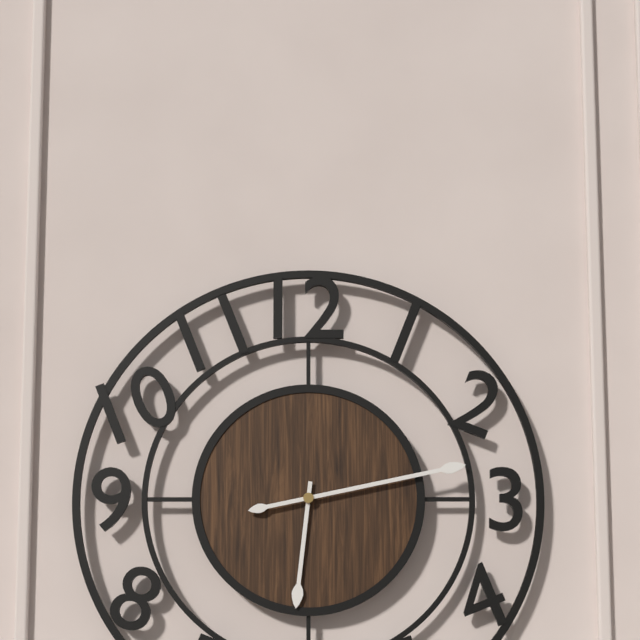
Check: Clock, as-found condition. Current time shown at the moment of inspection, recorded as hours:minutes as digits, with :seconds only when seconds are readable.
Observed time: 6:13
